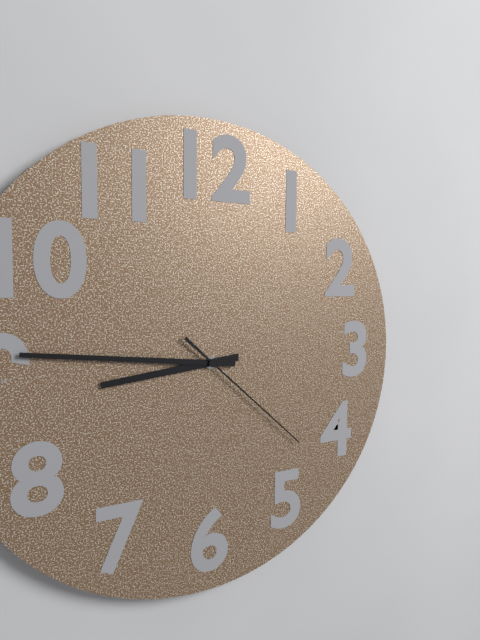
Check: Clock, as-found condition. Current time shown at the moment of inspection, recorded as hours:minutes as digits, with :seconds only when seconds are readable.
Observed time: 8:46:22
